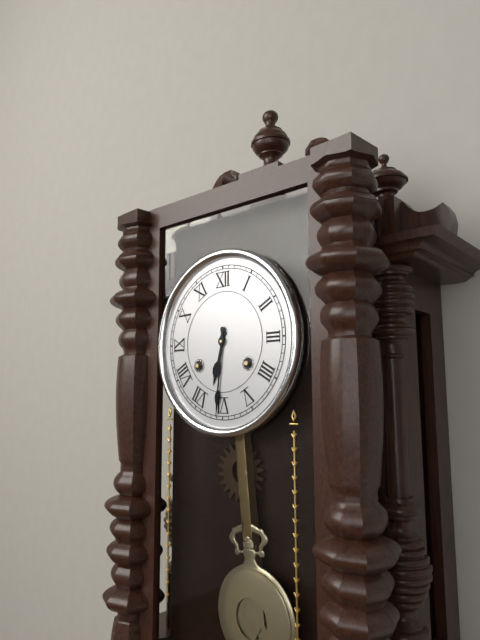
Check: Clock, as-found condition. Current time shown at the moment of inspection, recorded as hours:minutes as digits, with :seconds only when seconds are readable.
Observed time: 6:31
